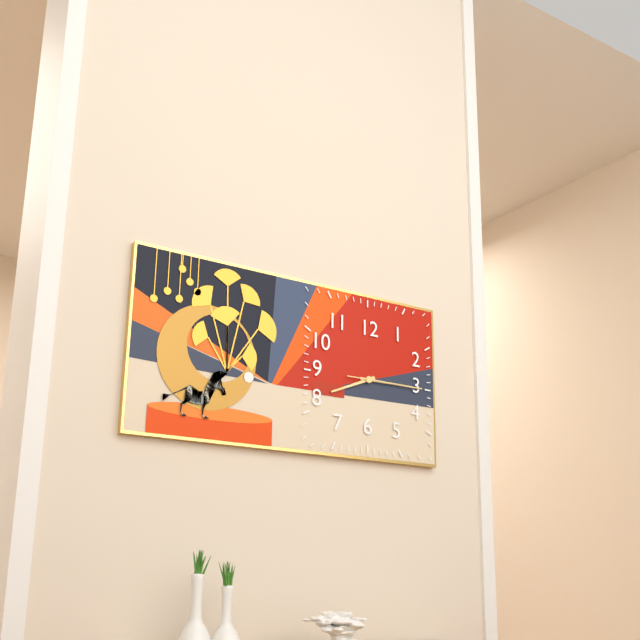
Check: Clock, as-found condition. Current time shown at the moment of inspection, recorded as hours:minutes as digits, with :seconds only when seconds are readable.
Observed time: 8:15
